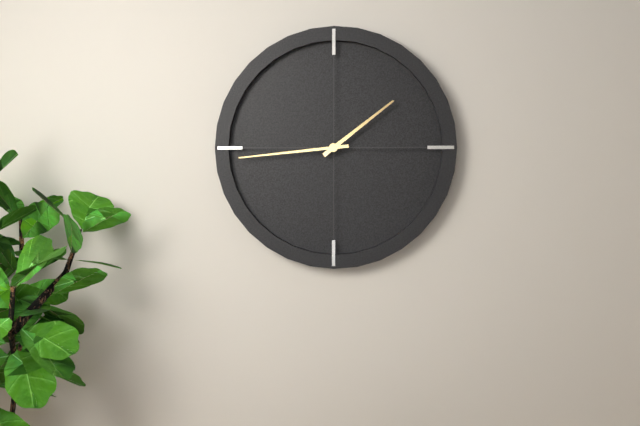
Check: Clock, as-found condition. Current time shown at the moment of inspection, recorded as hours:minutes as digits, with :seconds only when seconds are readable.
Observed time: 1:44
